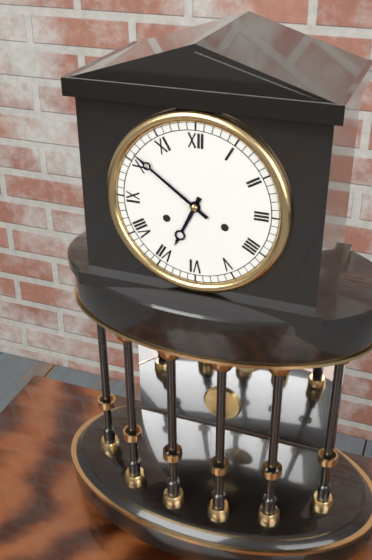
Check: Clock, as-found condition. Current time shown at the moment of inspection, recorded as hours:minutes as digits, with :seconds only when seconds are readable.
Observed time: 6:51
